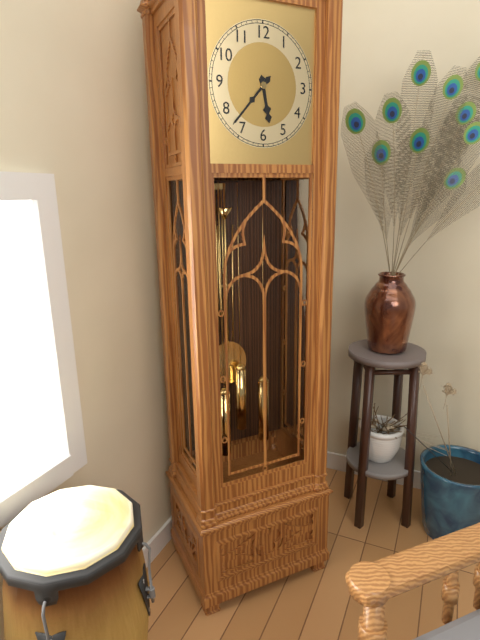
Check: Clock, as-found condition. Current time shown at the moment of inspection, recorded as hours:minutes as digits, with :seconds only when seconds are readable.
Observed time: 5:37
